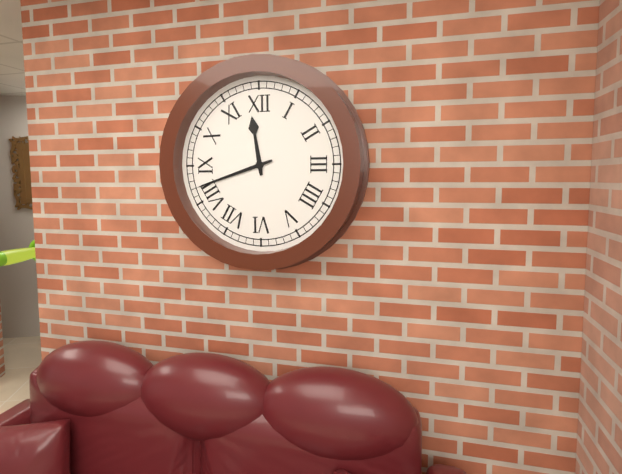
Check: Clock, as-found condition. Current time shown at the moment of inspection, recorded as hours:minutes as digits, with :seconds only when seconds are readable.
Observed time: 11:42
